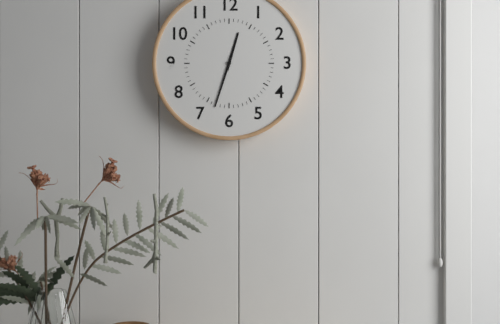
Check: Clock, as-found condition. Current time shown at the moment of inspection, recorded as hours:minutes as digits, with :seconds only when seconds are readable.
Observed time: 12:33
